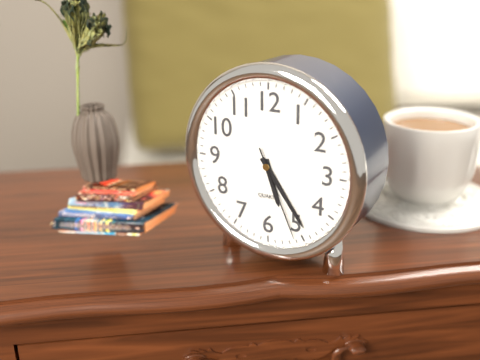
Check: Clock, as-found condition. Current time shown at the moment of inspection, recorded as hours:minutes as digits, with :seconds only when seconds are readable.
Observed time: 5:24:26
